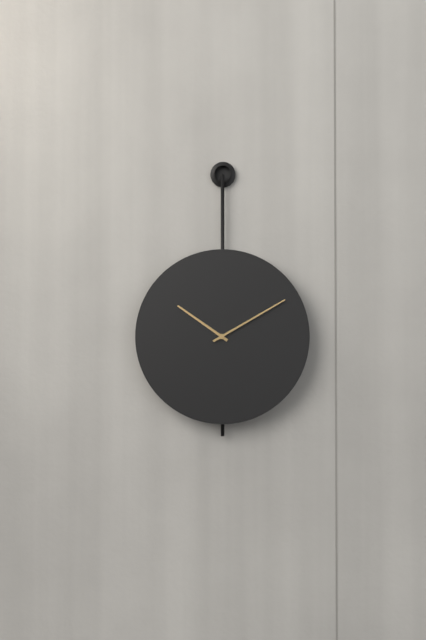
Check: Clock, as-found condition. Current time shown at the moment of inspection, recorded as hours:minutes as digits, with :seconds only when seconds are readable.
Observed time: 10:10
